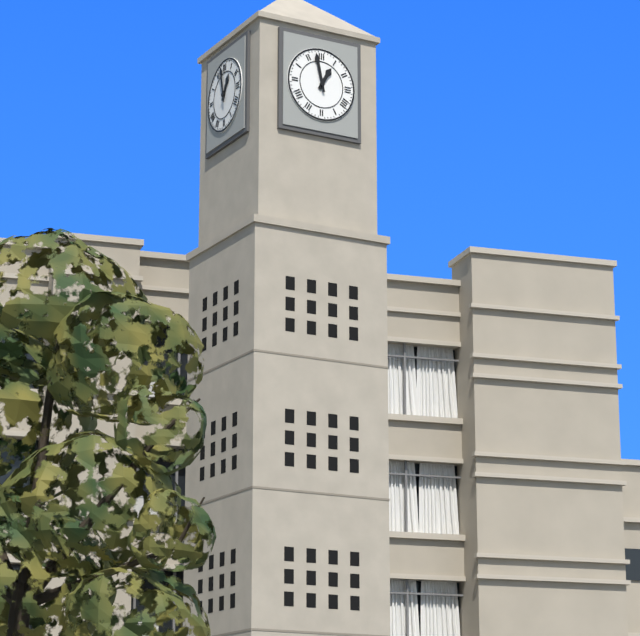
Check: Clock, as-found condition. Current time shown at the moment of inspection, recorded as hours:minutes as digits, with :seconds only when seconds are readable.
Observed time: 12:58
